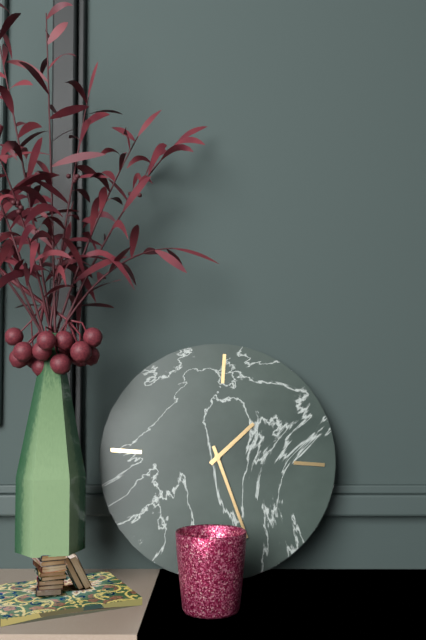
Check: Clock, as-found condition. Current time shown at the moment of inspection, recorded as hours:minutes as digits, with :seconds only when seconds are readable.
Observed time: 1:26
